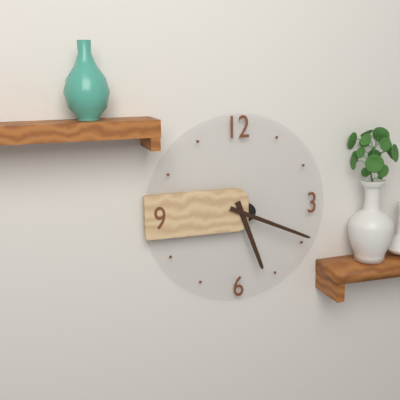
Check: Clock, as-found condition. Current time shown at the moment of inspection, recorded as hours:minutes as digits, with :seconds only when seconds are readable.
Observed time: 5:19
